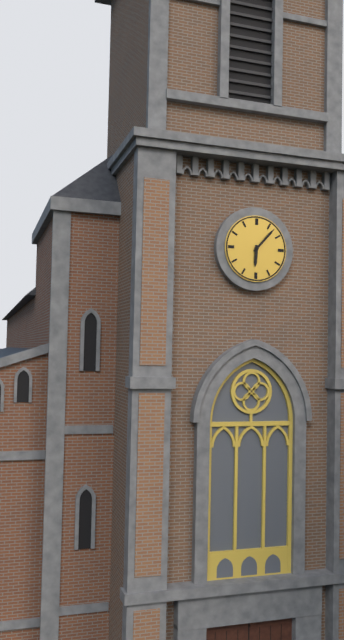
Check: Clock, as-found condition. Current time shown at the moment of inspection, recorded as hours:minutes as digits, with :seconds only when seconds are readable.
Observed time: 6:07
